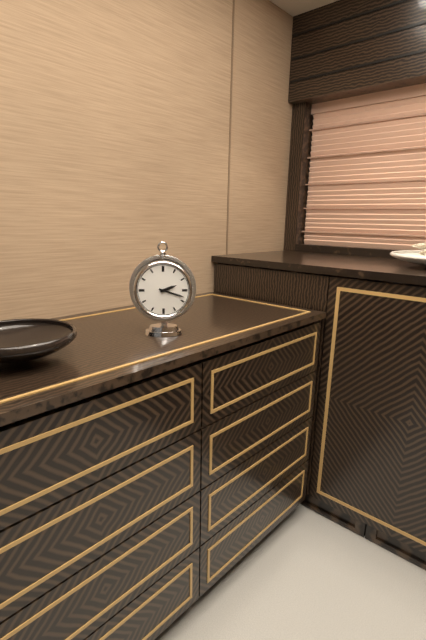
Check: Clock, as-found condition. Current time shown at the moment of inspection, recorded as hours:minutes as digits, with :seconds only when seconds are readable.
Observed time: 2:18
